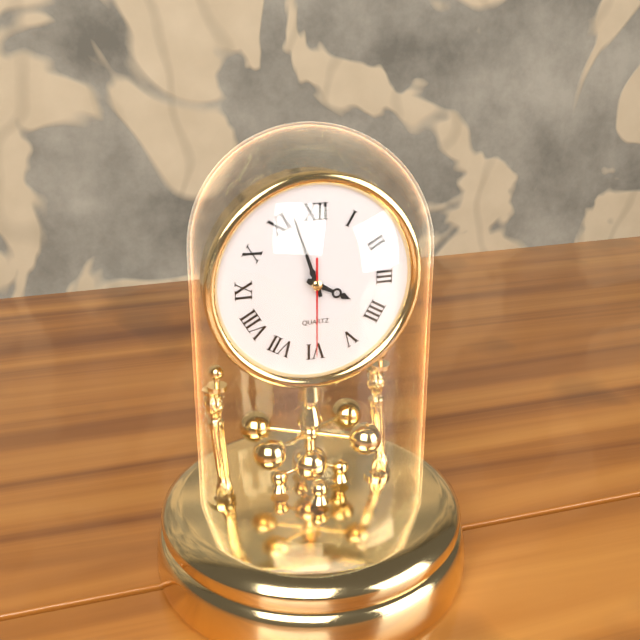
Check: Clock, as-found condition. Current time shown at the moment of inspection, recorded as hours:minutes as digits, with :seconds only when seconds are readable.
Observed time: 3:57:30
